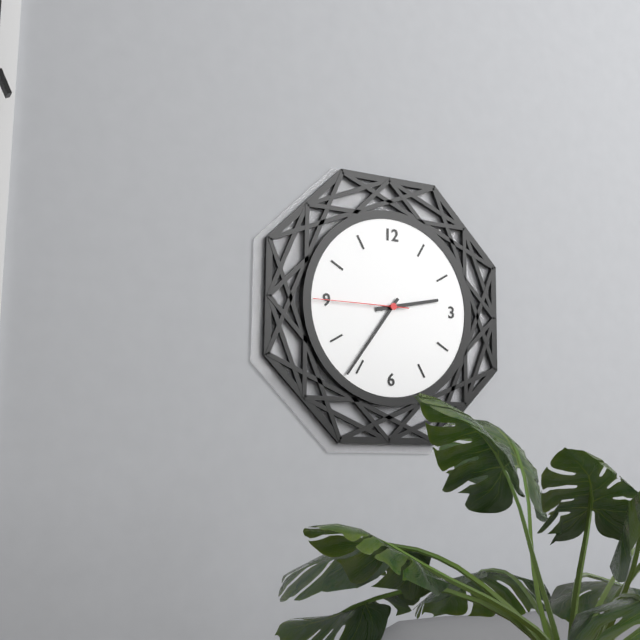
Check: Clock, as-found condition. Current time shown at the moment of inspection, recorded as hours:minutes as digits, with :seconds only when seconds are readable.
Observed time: 2:36:45
